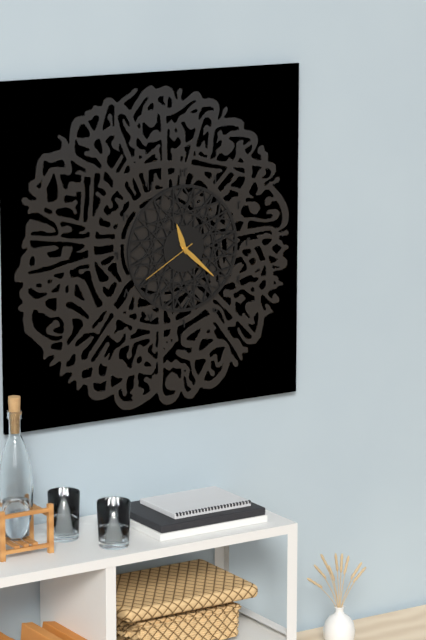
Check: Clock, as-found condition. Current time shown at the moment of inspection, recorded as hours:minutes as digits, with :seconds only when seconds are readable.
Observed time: 11:22:40
